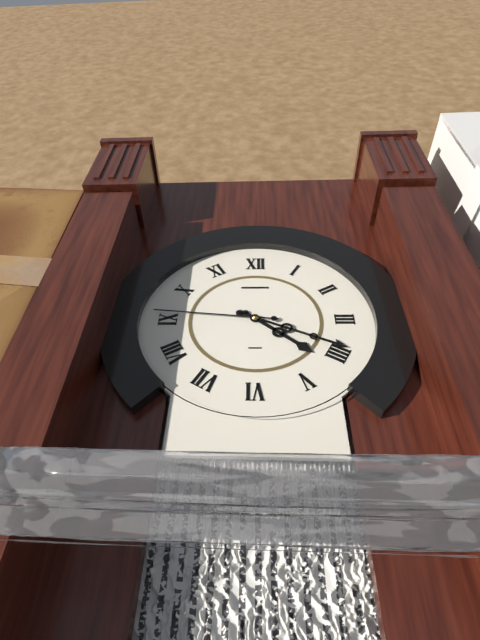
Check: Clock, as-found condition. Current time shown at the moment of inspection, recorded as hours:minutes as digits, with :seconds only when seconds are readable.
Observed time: 4:19:46
